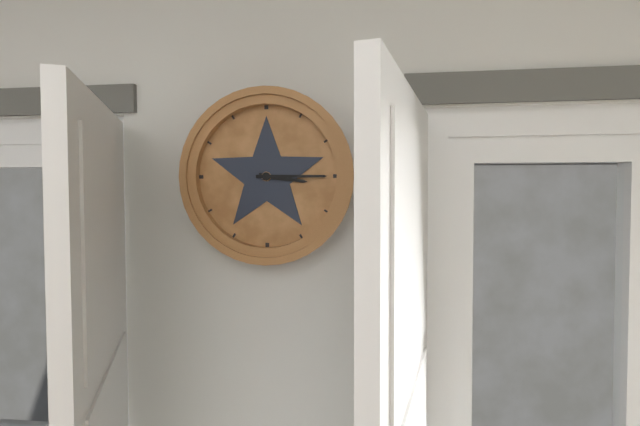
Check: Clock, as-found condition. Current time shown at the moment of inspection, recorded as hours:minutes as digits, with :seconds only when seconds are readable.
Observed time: 3:15
